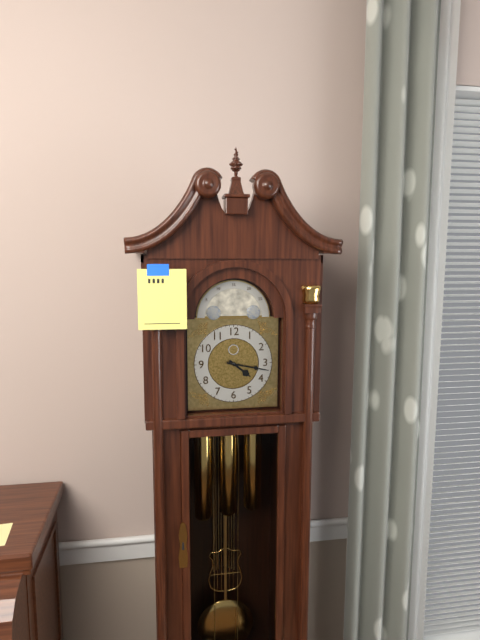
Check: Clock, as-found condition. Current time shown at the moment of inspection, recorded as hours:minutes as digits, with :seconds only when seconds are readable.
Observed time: 4:17
